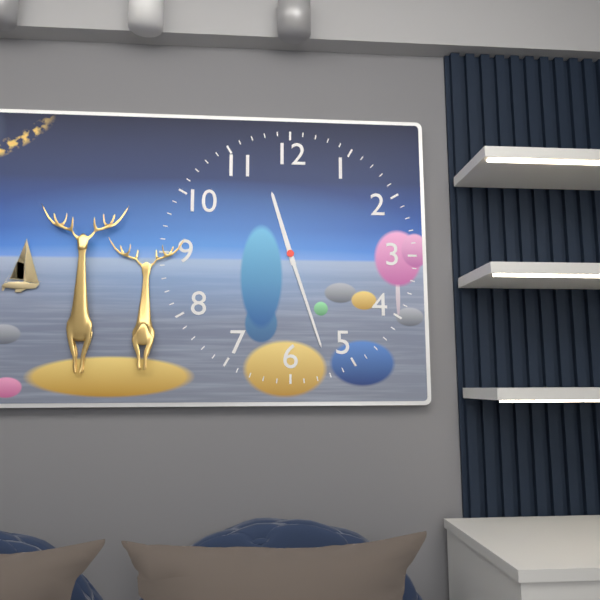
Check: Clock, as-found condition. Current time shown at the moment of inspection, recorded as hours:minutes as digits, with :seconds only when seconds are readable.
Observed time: 11:27
